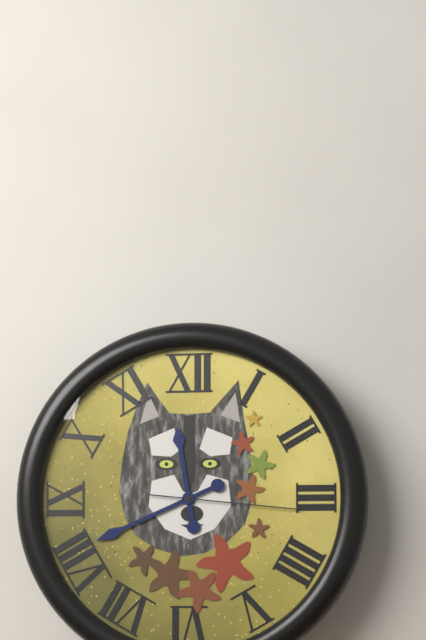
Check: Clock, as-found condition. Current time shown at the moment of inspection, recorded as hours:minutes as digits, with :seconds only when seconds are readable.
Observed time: 11:41:16
